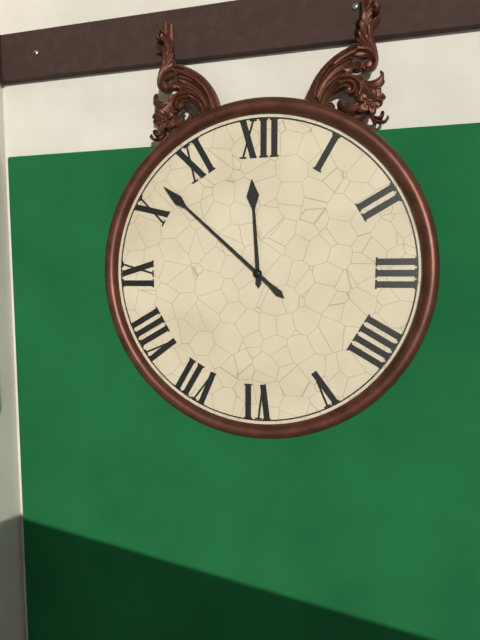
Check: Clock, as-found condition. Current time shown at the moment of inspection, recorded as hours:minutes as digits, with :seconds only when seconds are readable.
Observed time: 11:52
